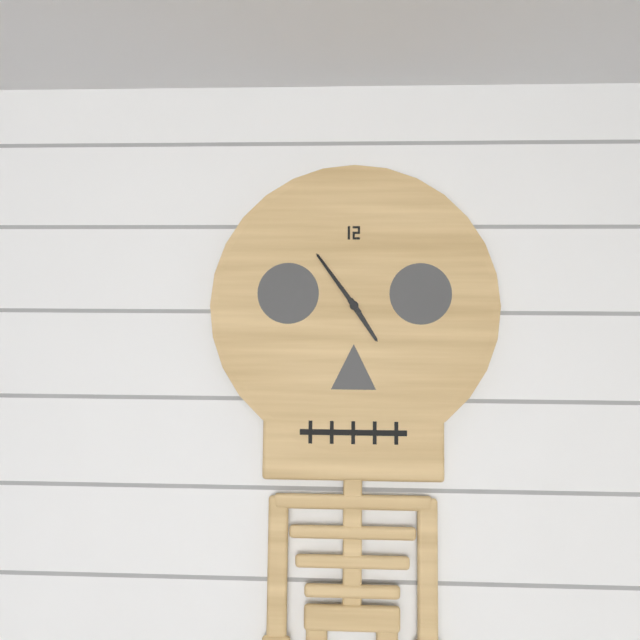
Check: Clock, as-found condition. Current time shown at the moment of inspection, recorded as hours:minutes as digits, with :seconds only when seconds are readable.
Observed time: 4:54
